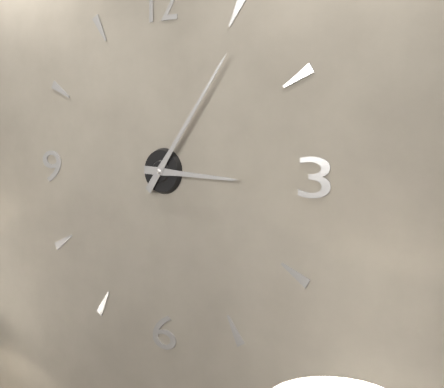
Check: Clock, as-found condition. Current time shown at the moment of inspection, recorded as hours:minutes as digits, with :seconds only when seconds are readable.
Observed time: 3:06
